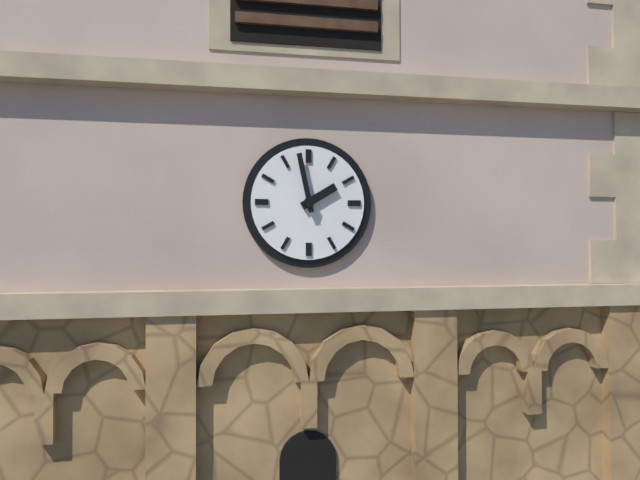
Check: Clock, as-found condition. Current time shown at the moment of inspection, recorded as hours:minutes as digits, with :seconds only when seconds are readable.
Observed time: 1:58
